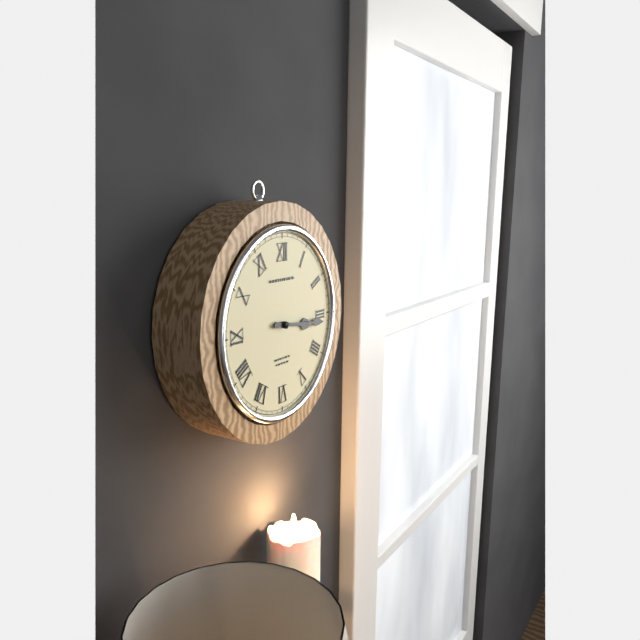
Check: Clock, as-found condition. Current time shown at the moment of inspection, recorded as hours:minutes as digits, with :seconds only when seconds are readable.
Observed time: 3:16
